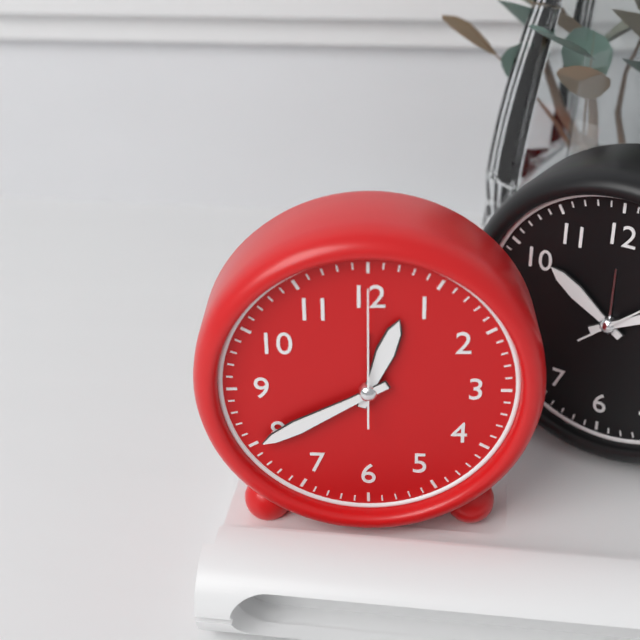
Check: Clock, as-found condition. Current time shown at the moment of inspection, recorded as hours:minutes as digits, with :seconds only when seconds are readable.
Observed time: 12:40:00
